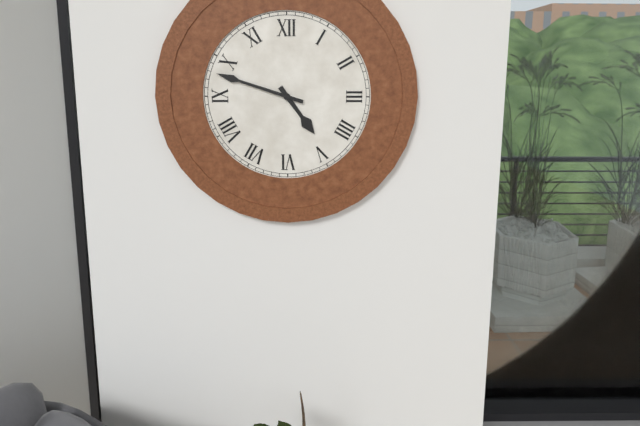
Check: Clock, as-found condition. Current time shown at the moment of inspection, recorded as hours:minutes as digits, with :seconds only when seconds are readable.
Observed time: 4:48
